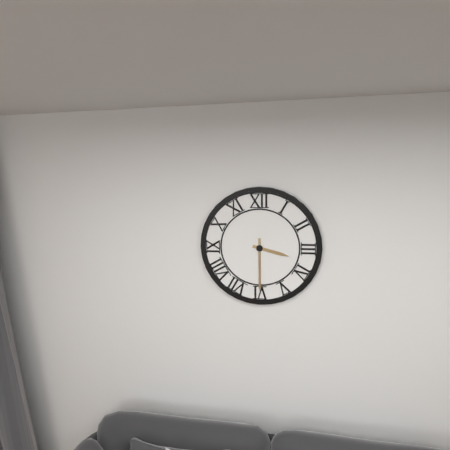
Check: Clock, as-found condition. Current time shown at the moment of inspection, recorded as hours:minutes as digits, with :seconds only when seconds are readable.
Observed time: 3:30
